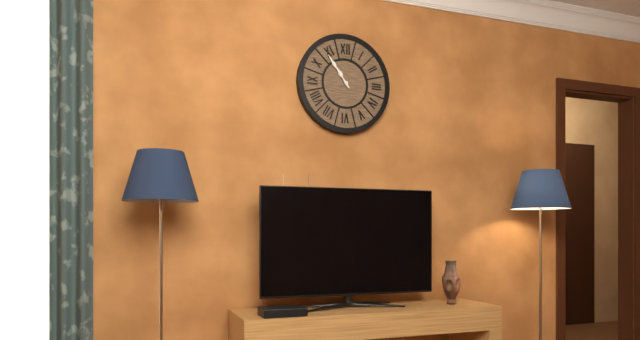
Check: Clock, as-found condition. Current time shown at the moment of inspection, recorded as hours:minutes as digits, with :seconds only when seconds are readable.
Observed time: 10:54
